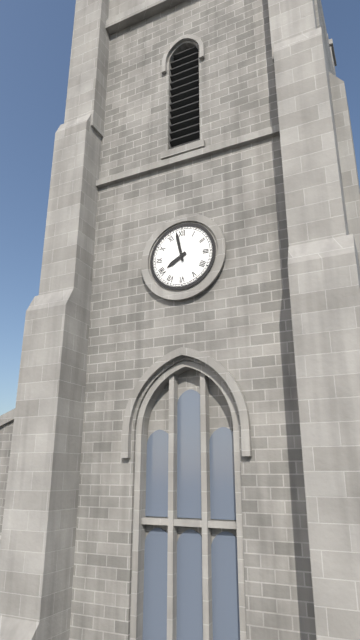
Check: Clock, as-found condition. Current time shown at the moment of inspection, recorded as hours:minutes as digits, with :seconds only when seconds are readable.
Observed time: 7:58
